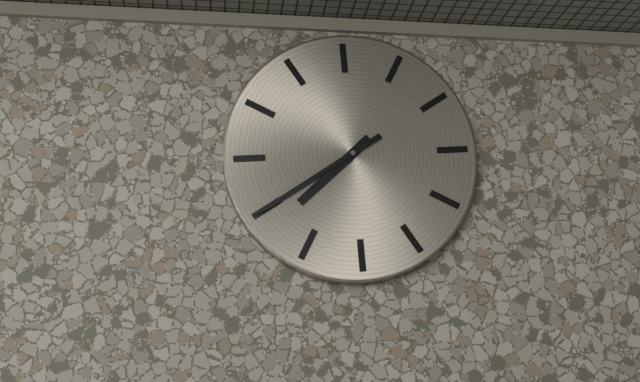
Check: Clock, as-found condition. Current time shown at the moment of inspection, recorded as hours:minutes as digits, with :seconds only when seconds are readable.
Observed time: 7:40
